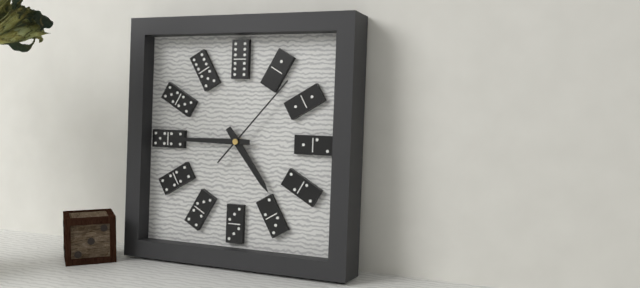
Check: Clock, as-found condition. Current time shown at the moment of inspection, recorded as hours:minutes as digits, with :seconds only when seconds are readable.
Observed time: 4:45:07
